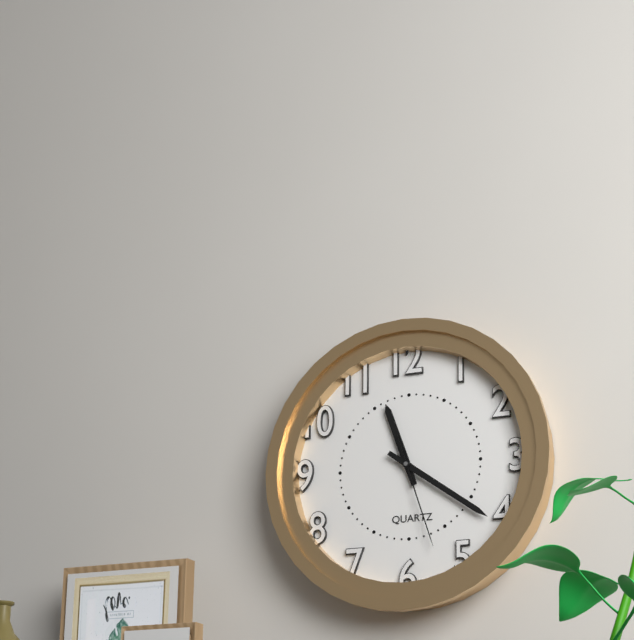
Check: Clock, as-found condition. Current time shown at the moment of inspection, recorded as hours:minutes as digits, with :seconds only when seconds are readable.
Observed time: 11:21:27
